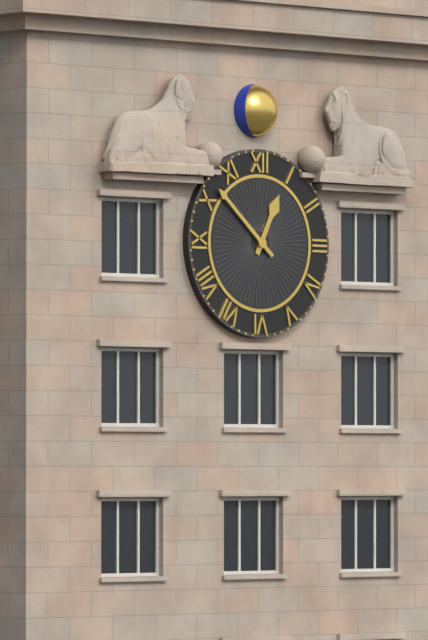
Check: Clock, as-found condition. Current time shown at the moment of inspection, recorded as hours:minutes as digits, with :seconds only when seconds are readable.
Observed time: 12:52
